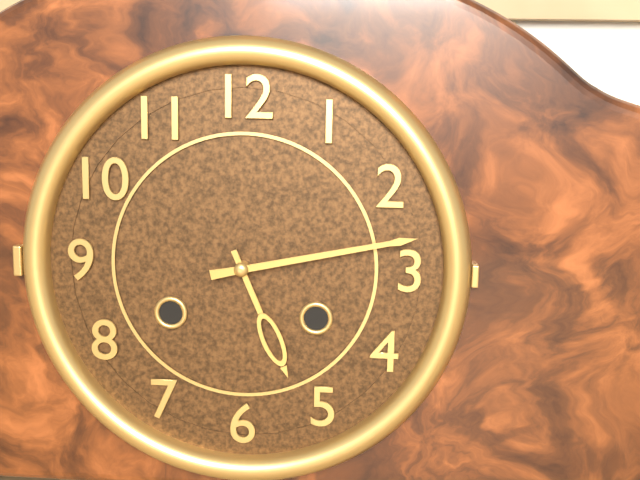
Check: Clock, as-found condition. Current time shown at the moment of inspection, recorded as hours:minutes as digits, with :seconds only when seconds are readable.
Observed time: 5:13
